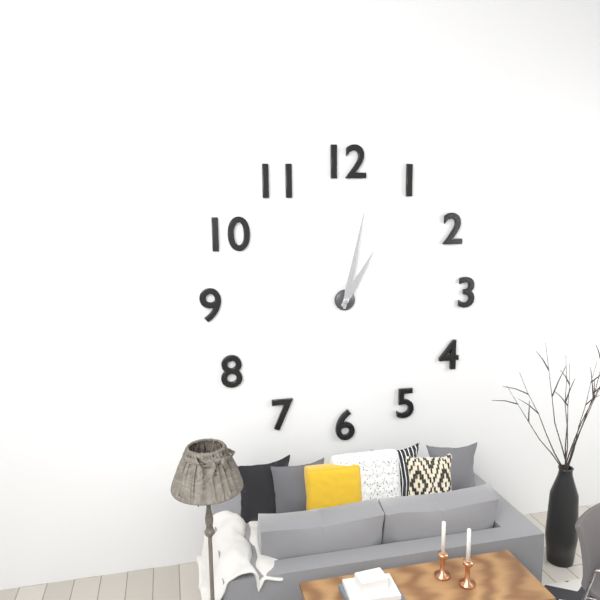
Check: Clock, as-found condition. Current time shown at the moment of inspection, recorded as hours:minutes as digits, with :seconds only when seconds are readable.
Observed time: 1:02
